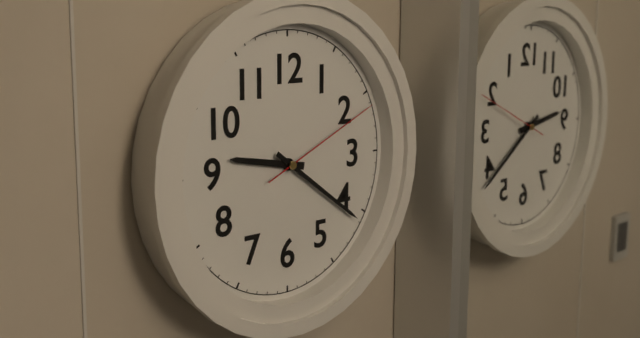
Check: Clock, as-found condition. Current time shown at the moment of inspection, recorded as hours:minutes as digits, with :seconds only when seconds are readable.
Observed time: 9:21:11
